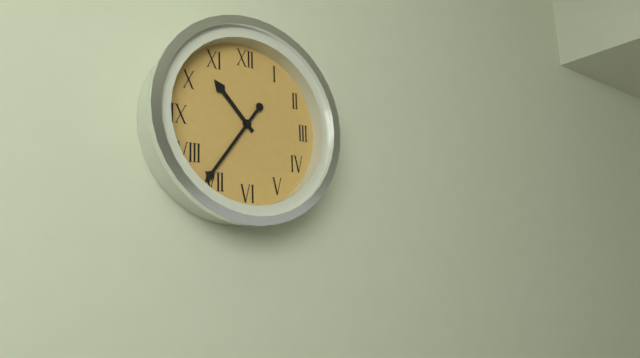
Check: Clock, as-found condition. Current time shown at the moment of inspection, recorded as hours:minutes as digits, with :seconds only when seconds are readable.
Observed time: 10:36
